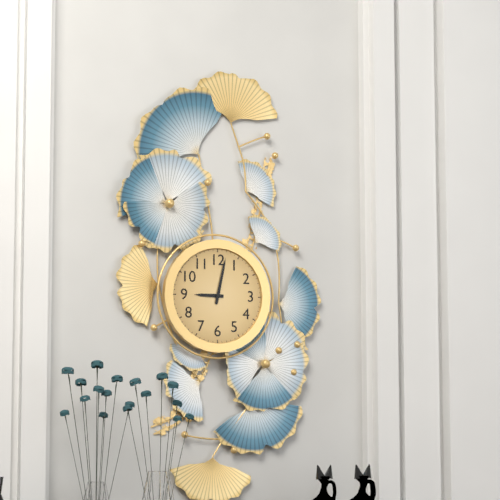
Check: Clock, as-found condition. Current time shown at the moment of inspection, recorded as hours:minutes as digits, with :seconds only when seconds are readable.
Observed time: 9:02
